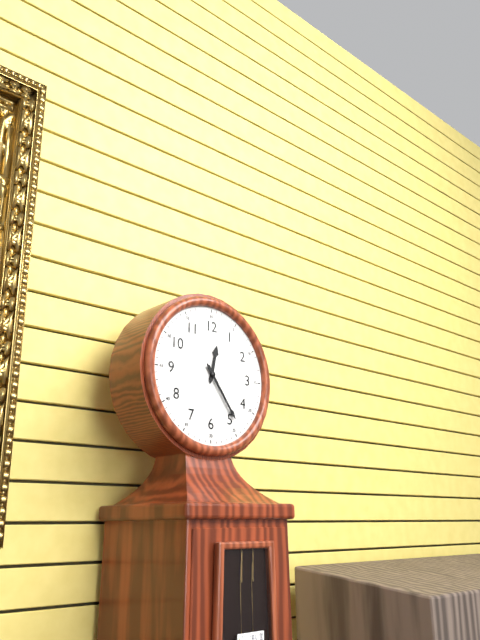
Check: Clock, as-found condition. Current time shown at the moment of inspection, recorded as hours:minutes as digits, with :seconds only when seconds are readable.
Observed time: 12:24
